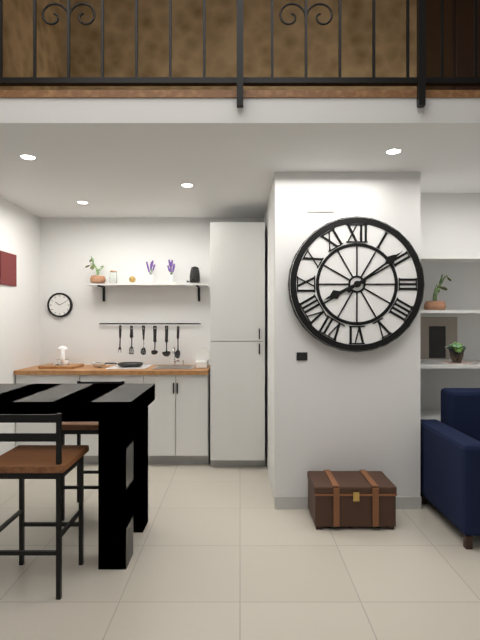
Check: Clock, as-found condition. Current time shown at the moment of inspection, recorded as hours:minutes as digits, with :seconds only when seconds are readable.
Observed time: 8:09
